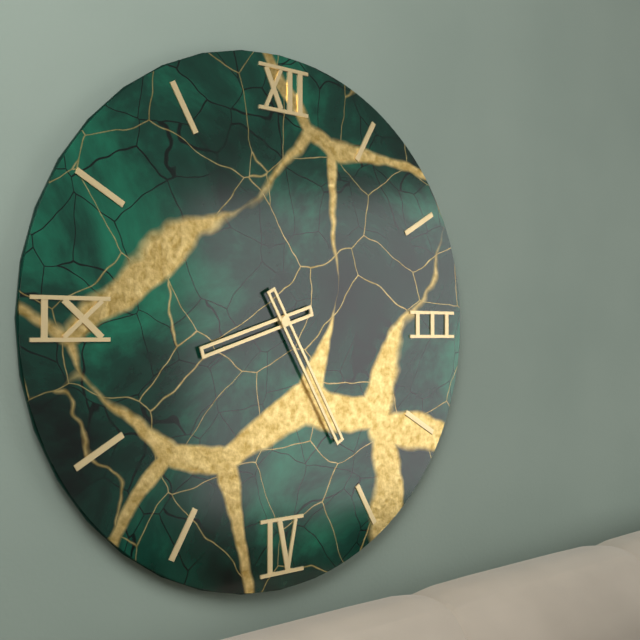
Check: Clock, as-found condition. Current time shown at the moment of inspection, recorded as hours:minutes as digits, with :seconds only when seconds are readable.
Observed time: 8:25
